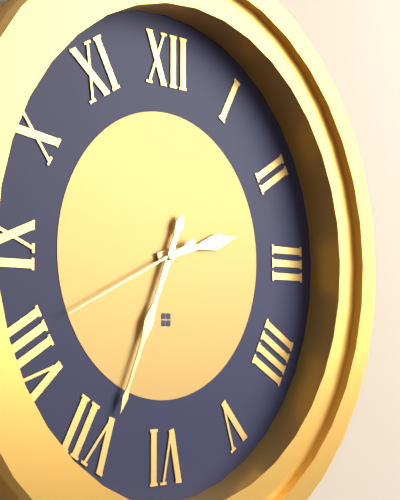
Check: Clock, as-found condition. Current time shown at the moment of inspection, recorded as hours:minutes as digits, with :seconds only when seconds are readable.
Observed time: 2:34:41
